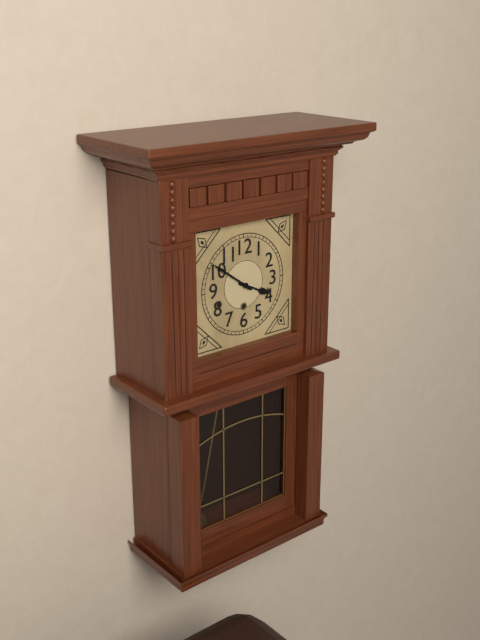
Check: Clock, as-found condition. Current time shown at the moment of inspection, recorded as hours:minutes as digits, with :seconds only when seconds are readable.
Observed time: 3:51
